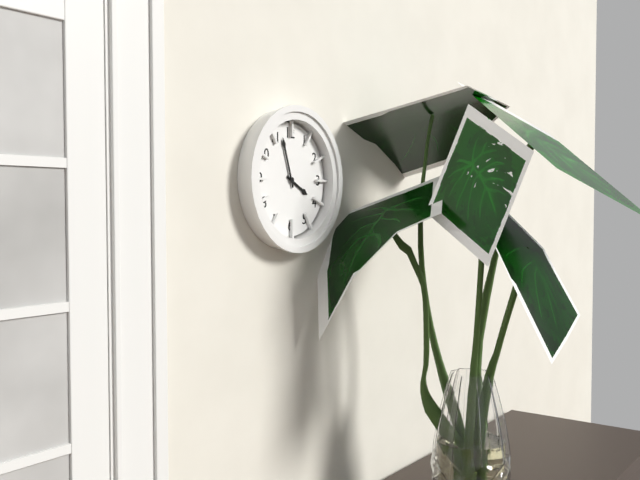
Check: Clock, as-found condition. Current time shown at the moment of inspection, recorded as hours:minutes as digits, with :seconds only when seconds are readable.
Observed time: 3:57
